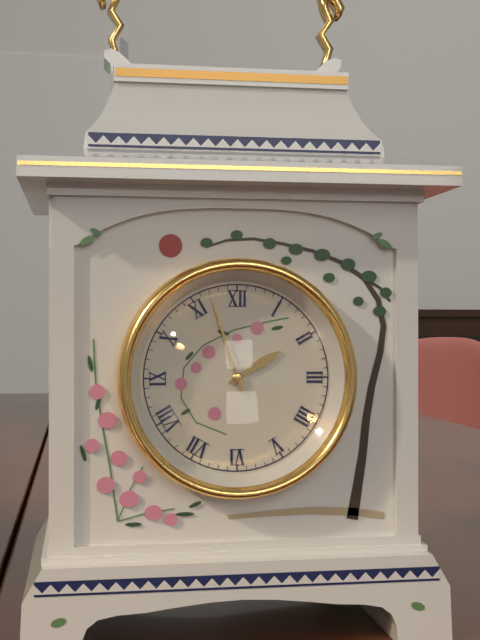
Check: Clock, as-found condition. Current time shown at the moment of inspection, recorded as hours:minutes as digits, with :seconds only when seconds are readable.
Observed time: 1:57
